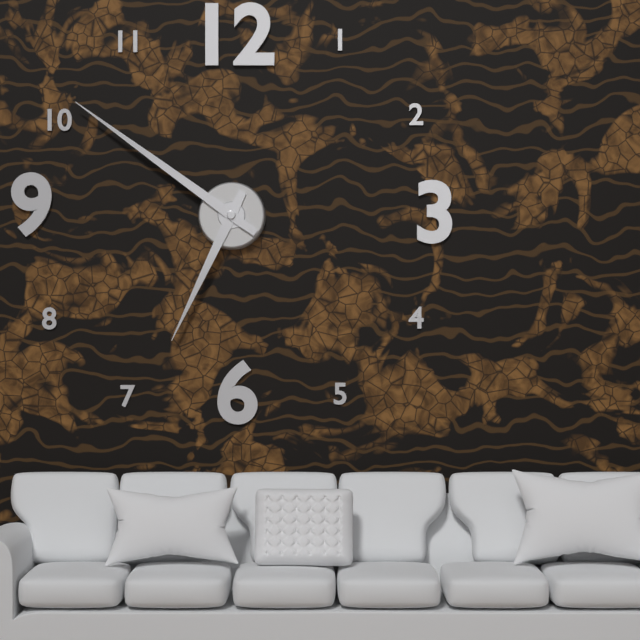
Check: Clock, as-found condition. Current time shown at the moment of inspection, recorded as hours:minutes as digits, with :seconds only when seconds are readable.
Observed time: 6:51
